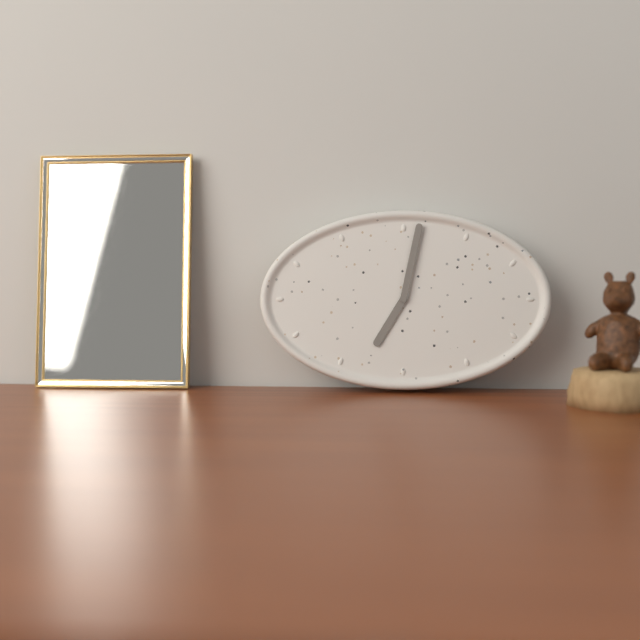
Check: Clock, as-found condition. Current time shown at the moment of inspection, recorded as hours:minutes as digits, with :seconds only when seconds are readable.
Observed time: 7:02
